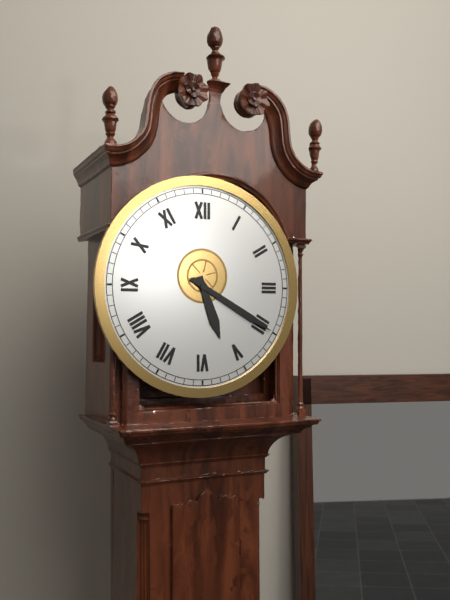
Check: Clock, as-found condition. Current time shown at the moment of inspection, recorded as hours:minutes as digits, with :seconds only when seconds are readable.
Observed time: 5:20
